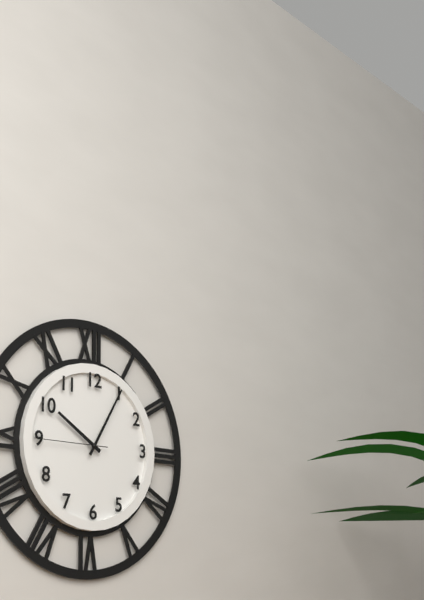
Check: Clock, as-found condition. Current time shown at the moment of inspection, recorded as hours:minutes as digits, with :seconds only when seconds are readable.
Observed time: 10:05:45
